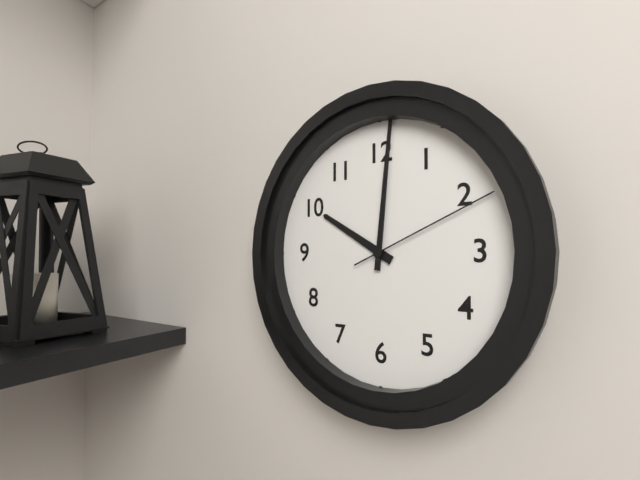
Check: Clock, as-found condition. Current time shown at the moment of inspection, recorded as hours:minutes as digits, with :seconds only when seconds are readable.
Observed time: 10:01:11
